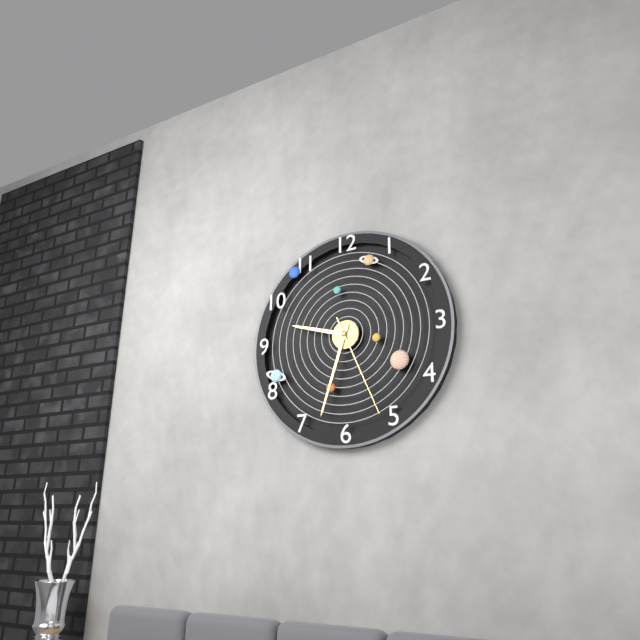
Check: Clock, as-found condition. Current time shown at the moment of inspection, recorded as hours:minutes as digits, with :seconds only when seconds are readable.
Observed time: 9:33:26
